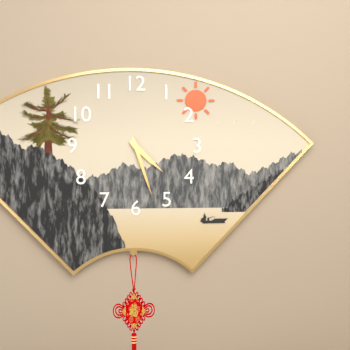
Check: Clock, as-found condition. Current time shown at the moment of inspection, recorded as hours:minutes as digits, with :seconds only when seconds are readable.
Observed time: 4:27
